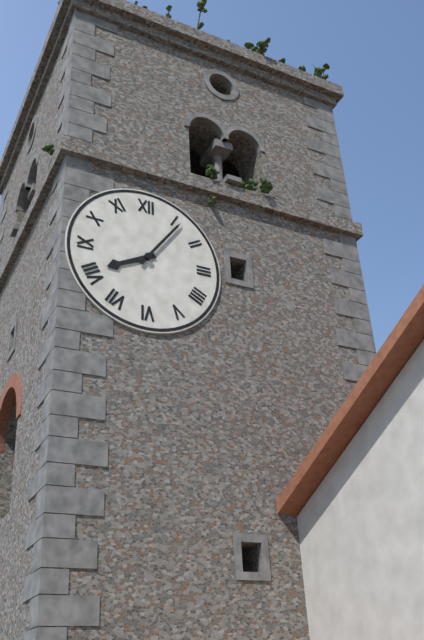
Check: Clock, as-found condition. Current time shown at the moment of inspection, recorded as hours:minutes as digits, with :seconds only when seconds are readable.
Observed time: 8:06
